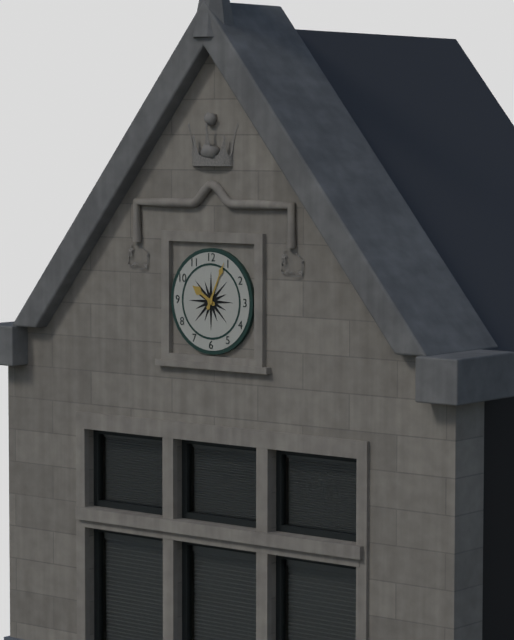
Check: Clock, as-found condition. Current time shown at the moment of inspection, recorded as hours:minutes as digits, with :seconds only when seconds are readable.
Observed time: 10:04
